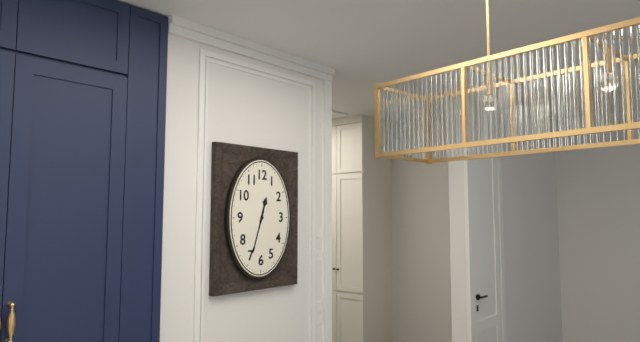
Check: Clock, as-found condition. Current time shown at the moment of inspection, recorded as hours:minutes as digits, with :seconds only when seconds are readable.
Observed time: 12:33
